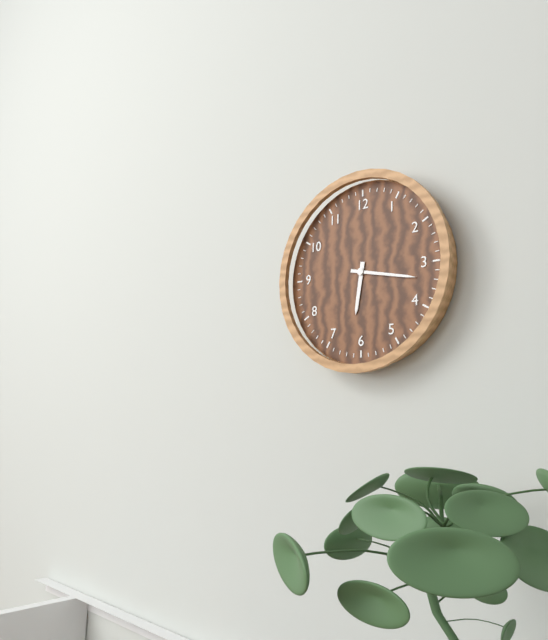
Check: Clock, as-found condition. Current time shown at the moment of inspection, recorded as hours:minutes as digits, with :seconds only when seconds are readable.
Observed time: 6:17
